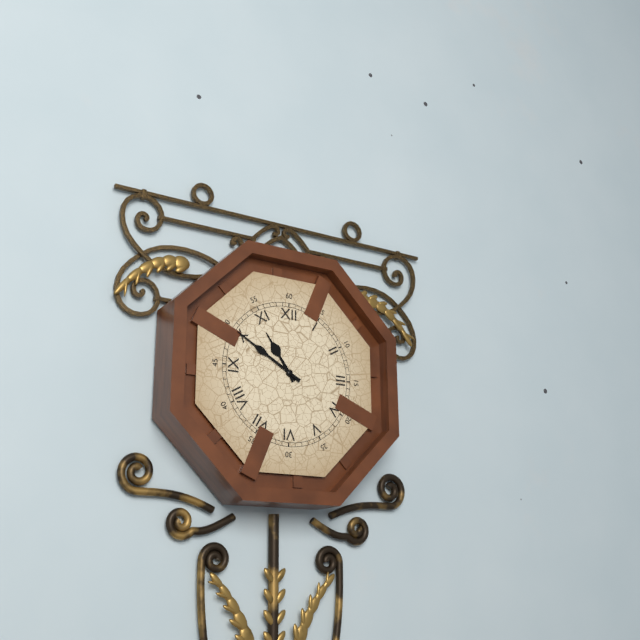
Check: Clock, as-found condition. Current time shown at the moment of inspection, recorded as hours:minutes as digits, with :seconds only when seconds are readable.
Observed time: 10:50
